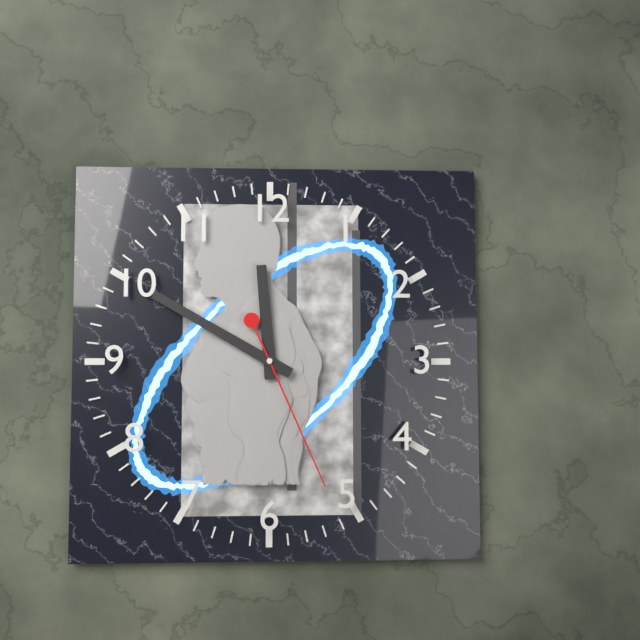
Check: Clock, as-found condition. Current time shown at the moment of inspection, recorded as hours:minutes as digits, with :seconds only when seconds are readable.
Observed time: 11:50:26
